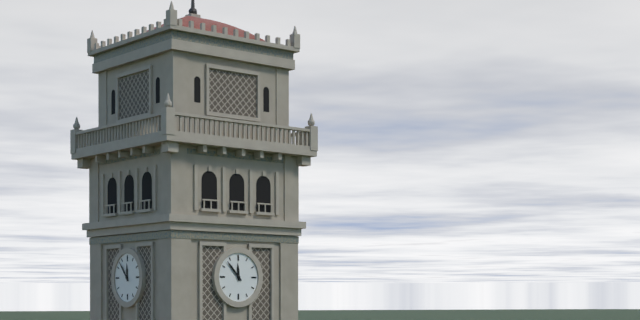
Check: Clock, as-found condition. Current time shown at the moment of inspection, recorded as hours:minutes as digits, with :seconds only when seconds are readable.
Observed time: 11:53
